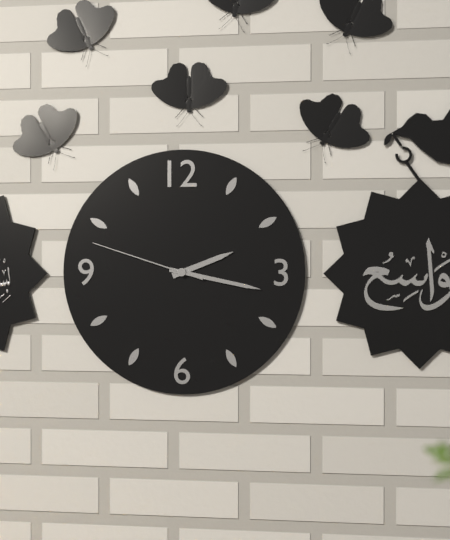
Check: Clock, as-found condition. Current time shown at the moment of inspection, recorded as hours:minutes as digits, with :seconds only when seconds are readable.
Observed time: 2:17:48
